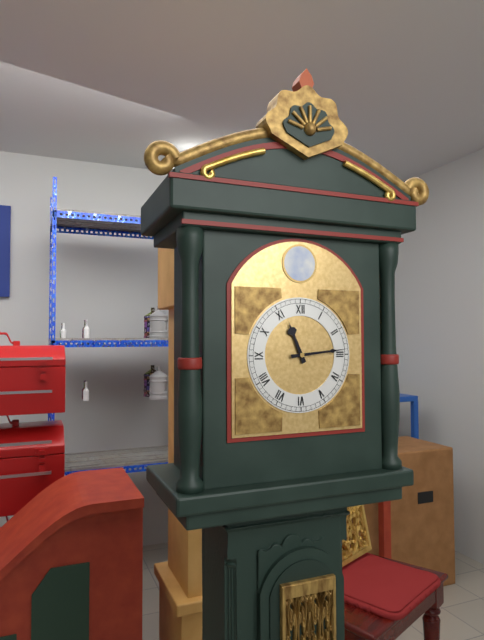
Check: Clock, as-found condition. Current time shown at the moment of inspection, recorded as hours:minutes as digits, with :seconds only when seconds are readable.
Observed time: 11:14
